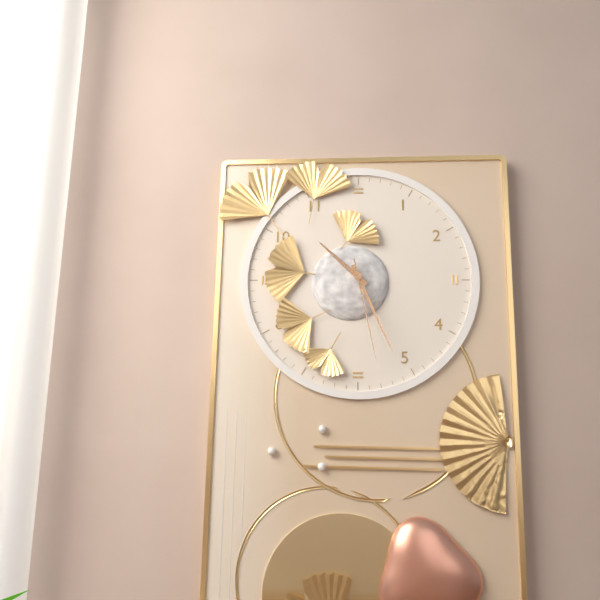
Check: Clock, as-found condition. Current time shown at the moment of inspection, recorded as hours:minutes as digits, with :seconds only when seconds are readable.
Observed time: 10:26:28
